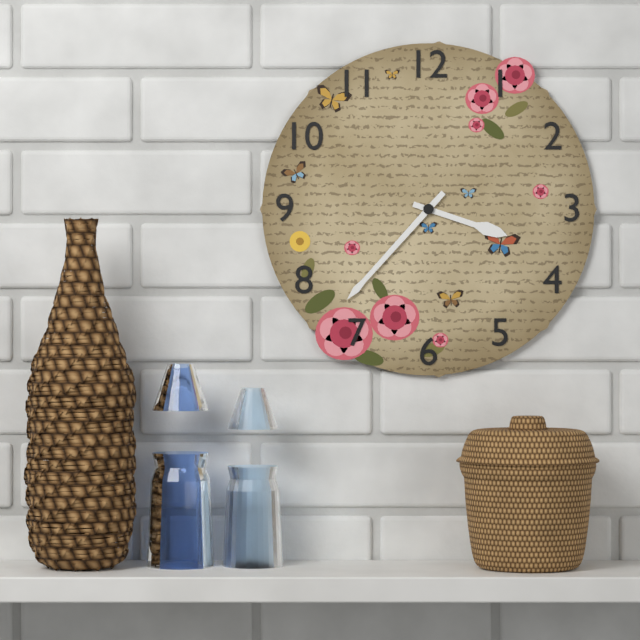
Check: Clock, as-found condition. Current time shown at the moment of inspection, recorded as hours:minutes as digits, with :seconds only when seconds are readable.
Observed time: 3:37
